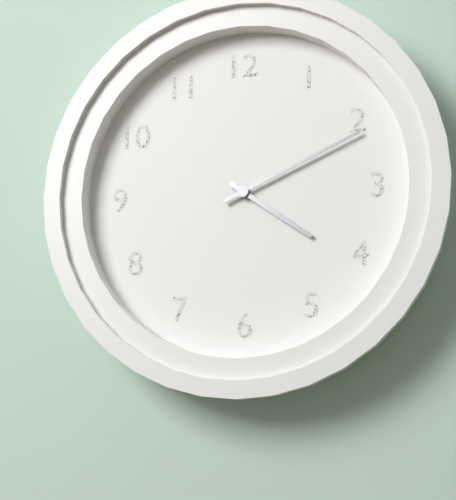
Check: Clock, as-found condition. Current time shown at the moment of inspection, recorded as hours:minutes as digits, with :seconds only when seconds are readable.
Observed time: 4:11
